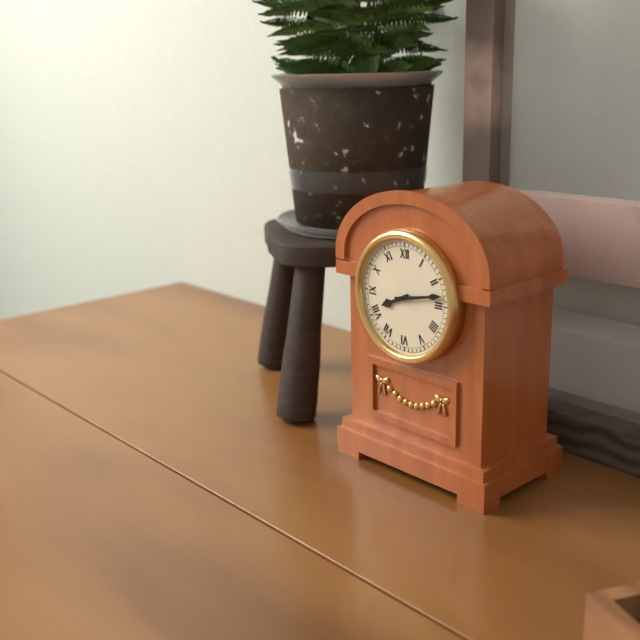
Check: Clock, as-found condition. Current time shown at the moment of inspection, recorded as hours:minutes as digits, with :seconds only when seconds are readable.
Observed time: 8:13
